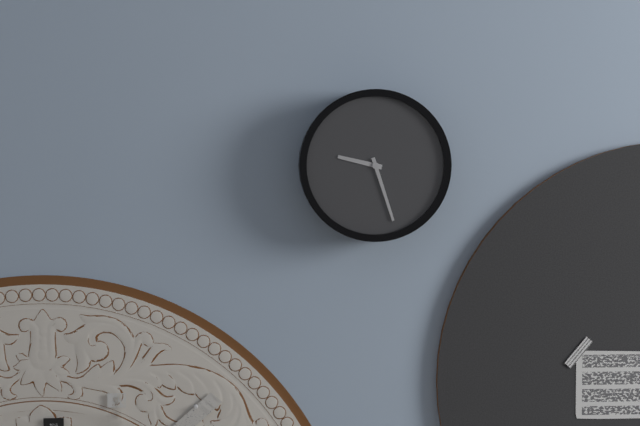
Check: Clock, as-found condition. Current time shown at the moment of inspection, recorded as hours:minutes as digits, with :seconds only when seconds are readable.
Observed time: 9:27
